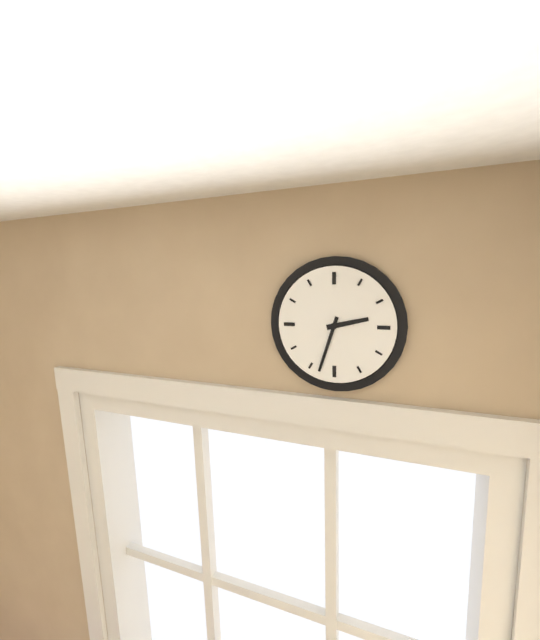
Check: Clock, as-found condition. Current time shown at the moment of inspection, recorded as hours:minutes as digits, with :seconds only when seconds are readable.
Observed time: 2:33
